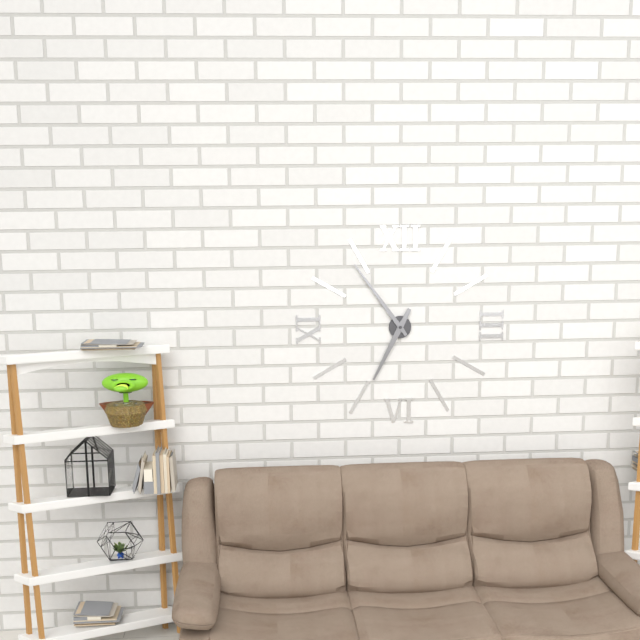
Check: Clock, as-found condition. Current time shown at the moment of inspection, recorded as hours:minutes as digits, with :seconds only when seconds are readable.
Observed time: 6:54
